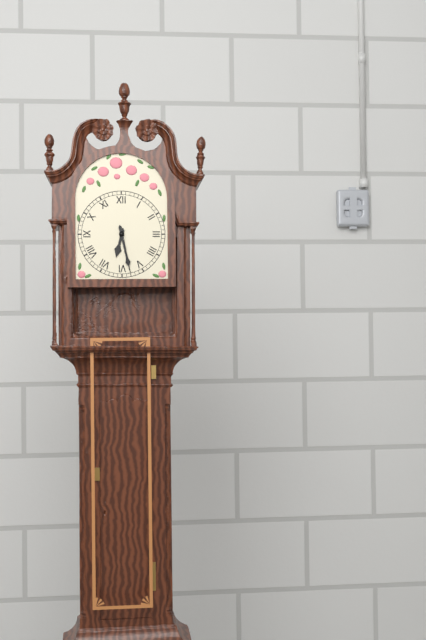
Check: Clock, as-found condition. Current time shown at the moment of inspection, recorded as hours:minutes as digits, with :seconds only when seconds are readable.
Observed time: 6:28
